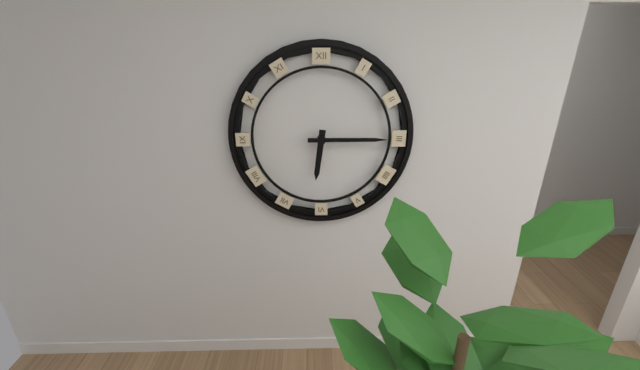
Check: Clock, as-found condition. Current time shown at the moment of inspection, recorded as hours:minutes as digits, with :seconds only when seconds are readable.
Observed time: 6:15
